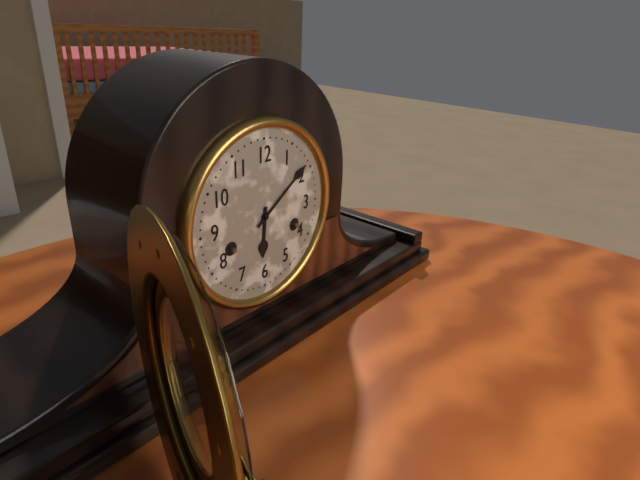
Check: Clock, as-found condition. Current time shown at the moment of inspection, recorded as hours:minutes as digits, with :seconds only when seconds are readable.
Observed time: 6:09
